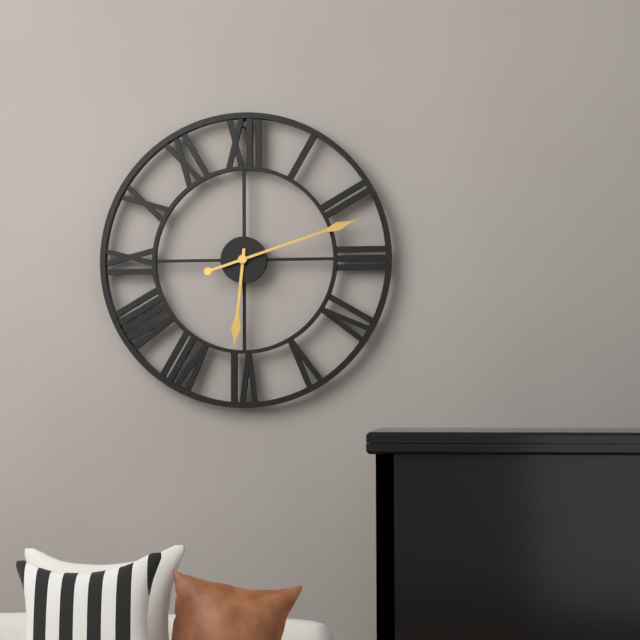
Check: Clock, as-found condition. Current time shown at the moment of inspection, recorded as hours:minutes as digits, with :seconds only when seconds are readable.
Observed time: 6:12
